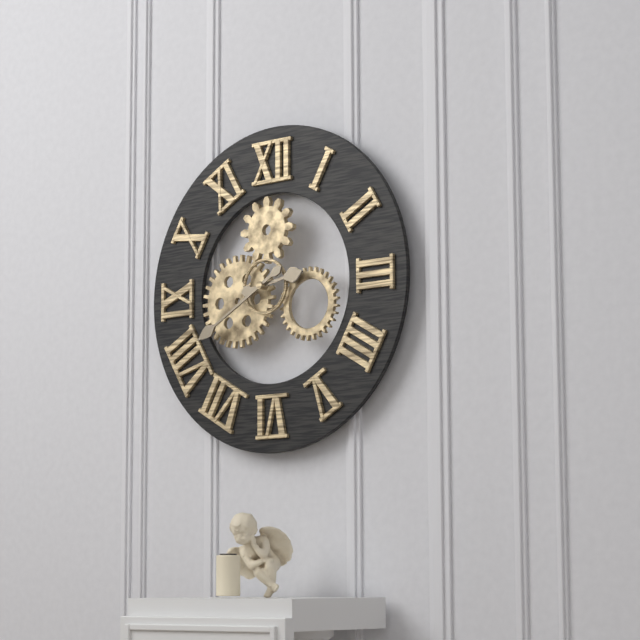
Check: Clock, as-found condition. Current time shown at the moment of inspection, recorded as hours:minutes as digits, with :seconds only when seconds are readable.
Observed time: 2:40
